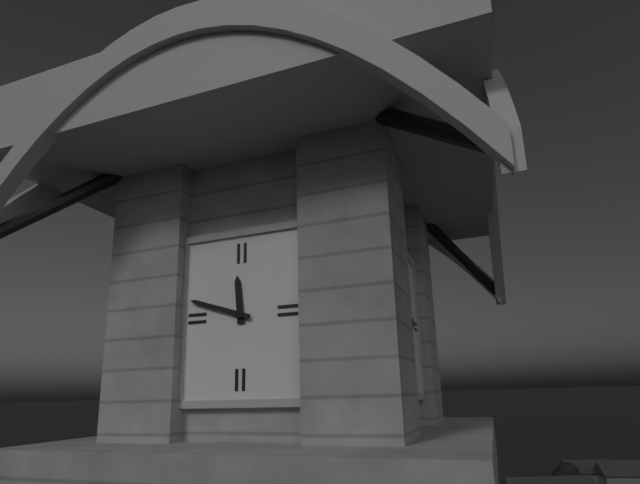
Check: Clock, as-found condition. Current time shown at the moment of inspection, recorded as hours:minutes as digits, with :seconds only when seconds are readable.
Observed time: 11:48
